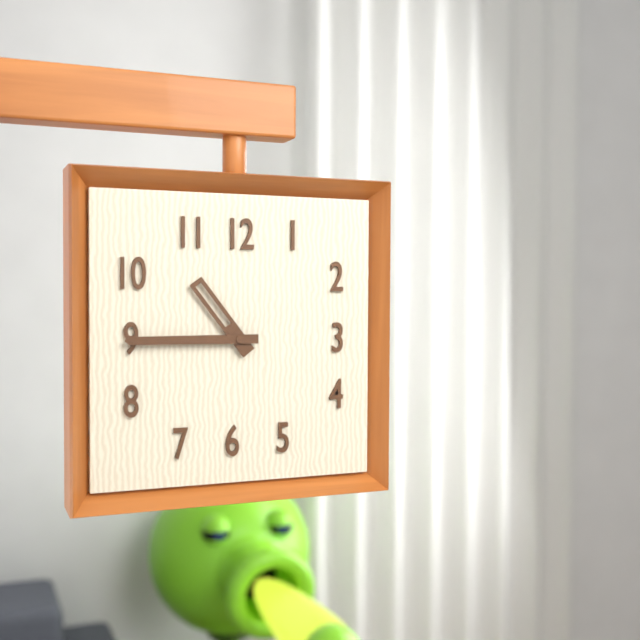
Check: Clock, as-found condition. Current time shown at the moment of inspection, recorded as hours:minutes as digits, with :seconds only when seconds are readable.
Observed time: 10:45
